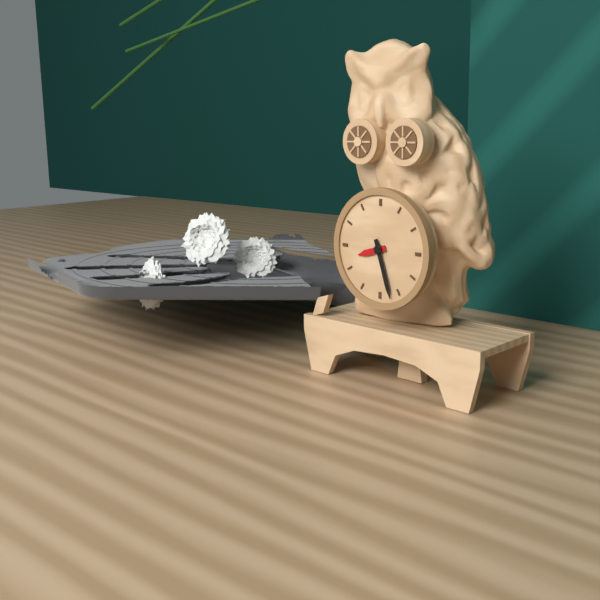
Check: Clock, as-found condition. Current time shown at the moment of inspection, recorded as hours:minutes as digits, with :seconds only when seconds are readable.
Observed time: 8:27
